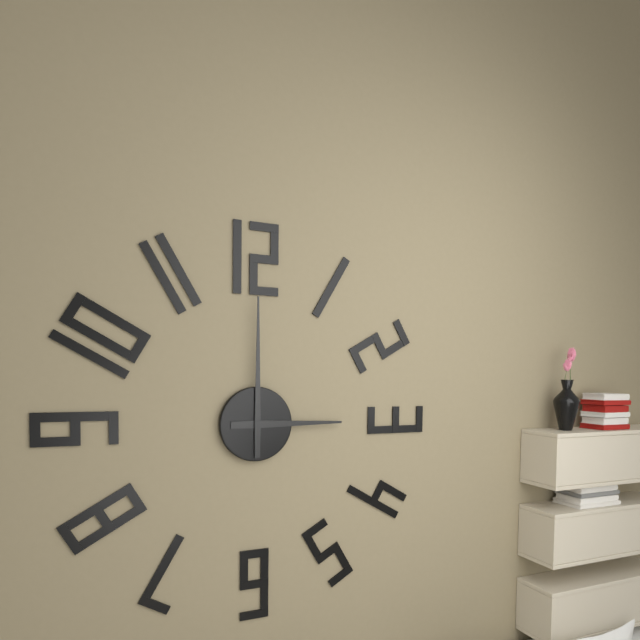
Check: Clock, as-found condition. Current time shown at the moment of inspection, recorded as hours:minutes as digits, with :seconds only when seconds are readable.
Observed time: 3:00
